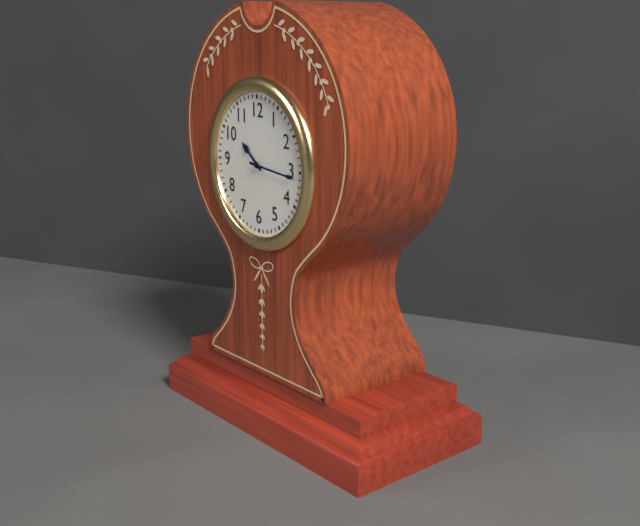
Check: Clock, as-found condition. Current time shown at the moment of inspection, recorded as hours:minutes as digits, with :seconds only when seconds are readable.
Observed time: 10:16
